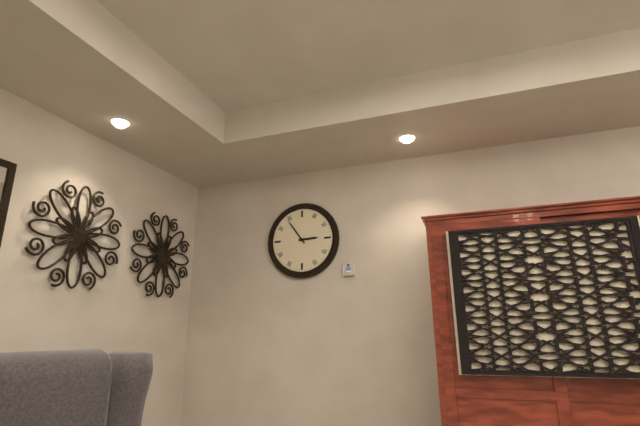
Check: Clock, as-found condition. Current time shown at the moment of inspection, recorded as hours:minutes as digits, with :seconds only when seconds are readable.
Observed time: 2:54
